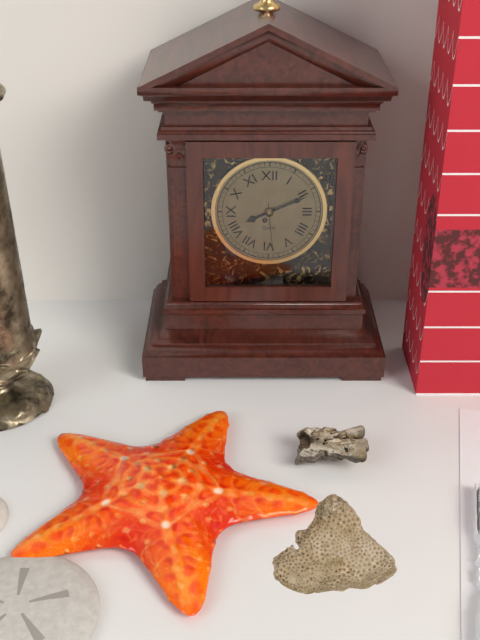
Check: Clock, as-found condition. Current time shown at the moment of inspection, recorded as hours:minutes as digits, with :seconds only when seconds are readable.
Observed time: 8:11
